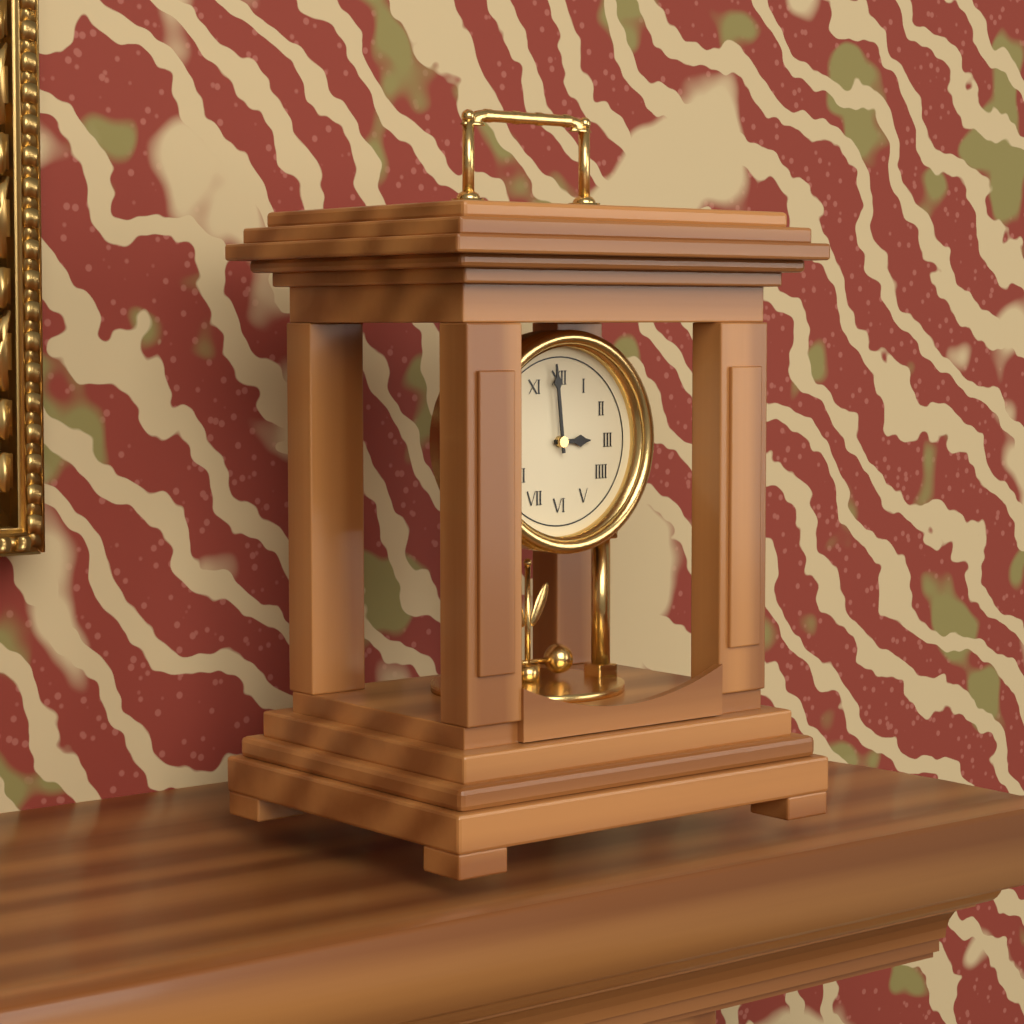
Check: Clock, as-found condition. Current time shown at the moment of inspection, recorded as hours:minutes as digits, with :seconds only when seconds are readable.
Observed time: 2:59
